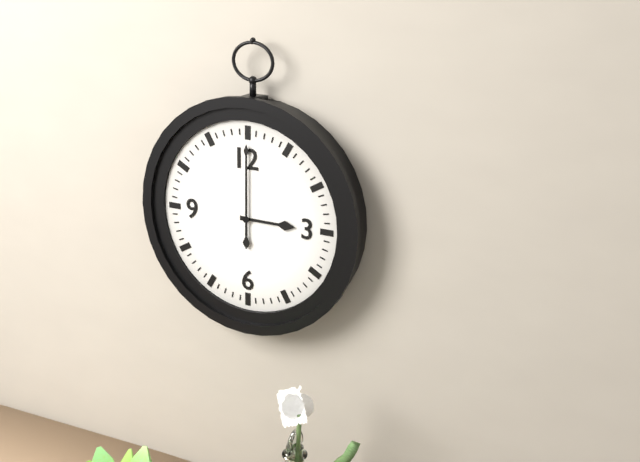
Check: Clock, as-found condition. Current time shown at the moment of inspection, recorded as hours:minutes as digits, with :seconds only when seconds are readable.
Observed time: 3:00
